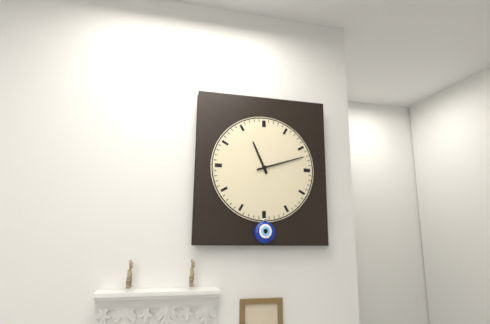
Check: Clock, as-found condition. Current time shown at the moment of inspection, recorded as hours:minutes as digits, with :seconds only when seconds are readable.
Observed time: 11:12
